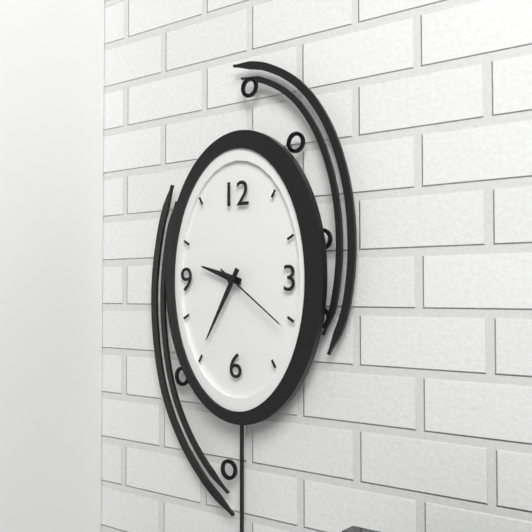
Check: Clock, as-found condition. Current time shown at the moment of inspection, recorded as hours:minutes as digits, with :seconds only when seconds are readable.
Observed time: 9:35:21
